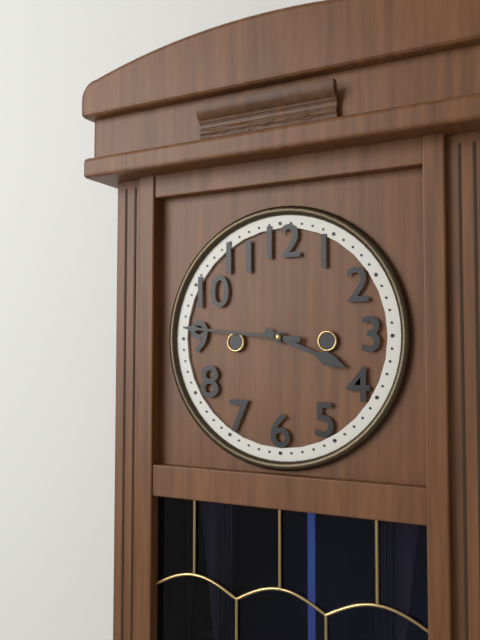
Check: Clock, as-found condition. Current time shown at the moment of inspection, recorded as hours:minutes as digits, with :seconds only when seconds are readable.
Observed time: 3:46
